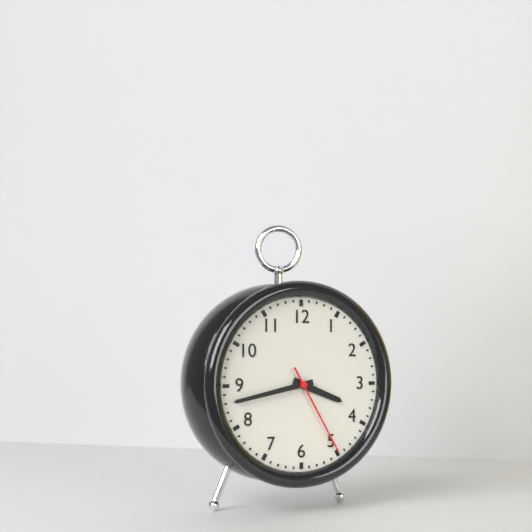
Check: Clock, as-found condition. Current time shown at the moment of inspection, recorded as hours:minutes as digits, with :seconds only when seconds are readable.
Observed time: 3:43:25
